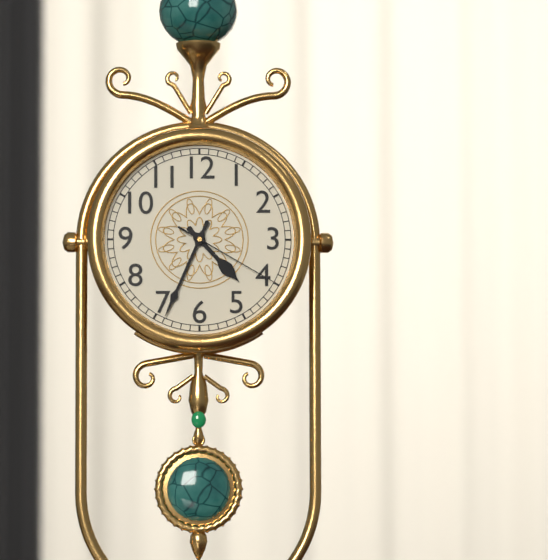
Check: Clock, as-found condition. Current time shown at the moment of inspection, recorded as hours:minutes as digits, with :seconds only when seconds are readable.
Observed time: 4:34:20
